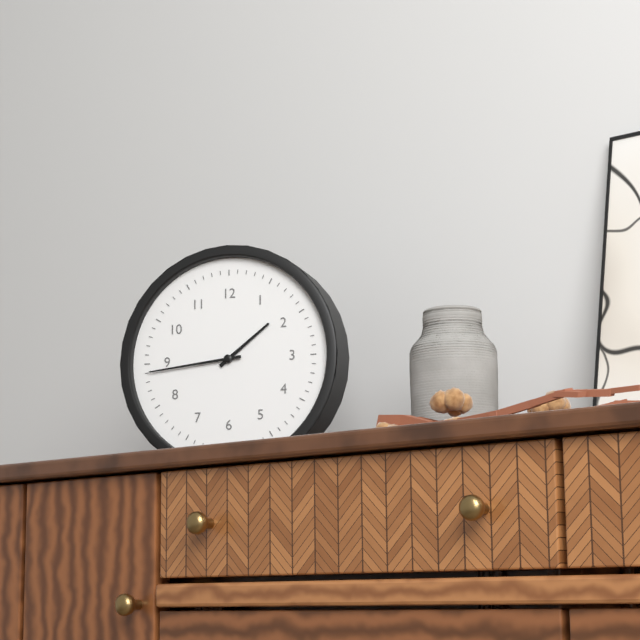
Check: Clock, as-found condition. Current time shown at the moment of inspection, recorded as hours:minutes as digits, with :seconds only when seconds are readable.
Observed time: 1:44
